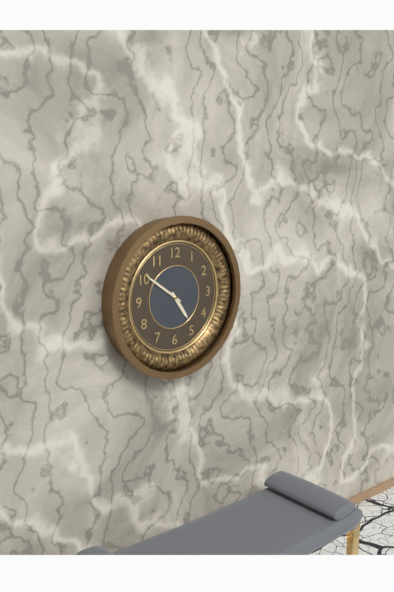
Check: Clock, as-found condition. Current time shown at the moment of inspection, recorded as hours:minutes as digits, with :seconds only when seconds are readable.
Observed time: 4:51
